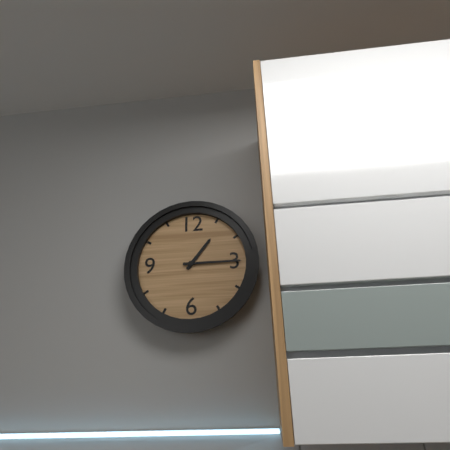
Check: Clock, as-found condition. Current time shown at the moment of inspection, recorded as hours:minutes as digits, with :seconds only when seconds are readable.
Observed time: 1:15
